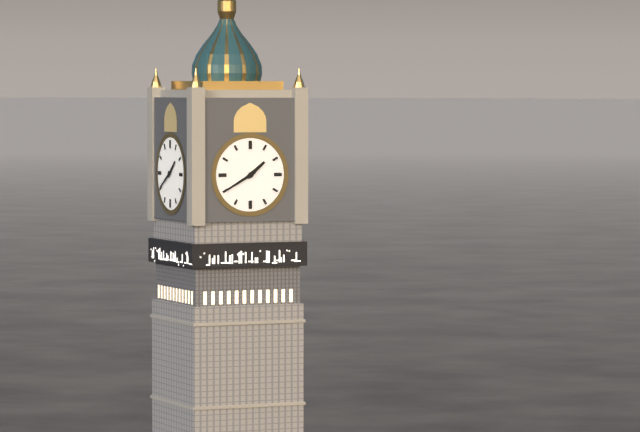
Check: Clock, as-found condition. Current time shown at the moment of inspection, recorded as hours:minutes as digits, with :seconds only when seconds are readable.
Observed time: 1:40
